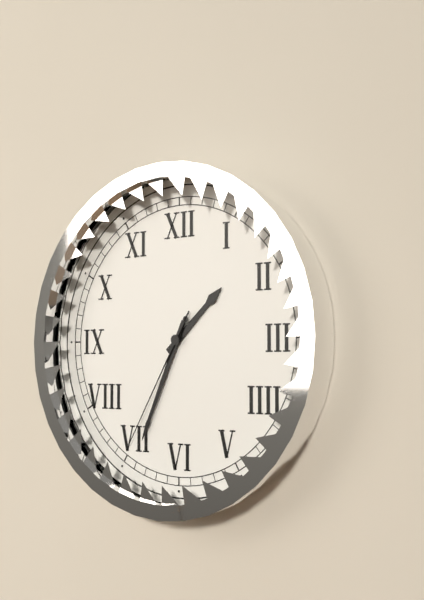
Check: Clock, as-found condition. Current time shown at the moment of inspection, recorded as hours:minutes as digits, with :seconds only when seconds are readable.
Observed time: 1:34:35
